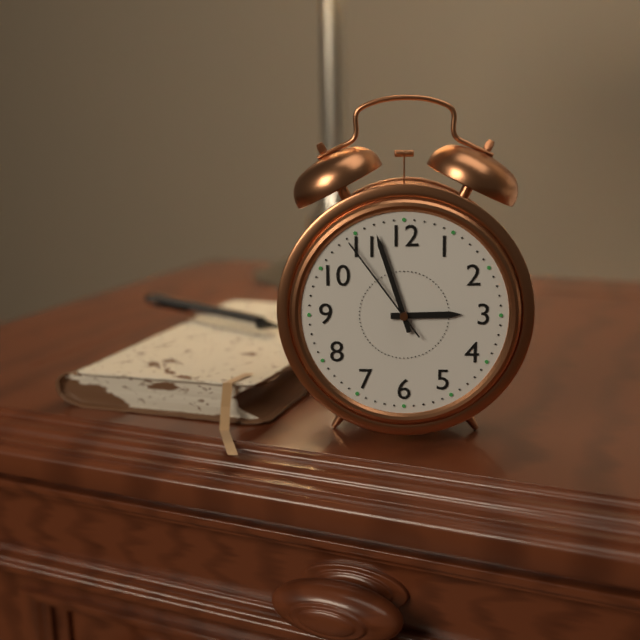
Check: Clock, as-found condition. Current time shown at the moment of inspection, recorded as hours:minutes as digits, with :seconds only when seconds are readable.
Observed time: 2:57:54
